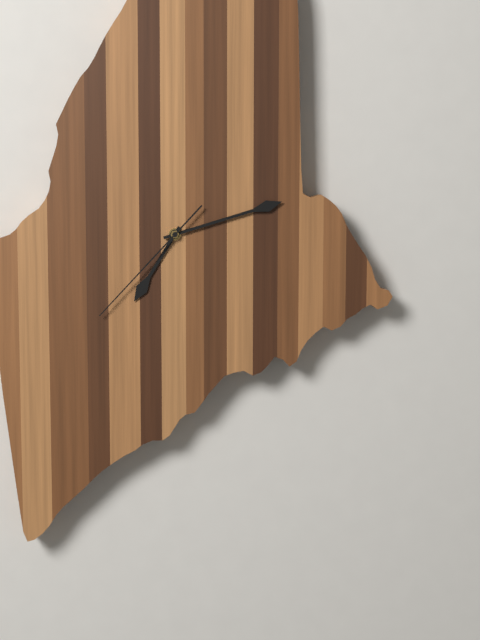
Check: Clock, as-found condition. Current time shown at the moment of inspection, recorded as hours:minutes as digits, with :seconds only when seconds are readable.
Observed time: 7:13:38
